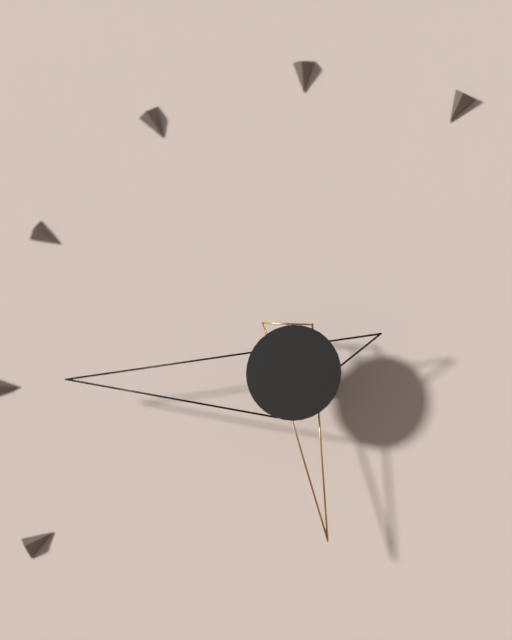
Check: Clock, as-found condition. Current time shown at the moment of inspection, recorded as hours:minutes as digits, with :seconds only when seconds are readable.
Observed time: 5:45
